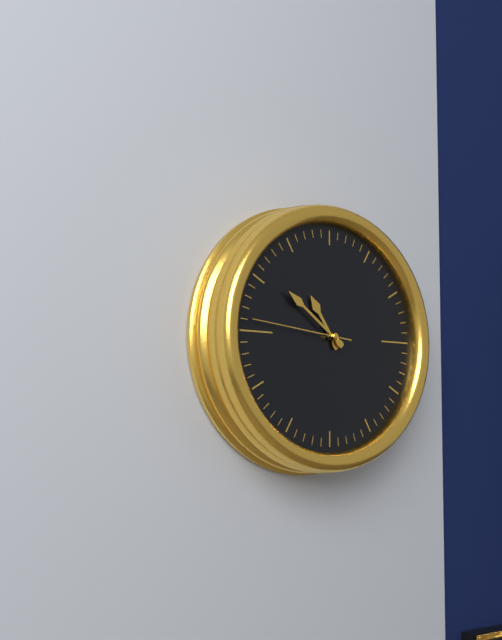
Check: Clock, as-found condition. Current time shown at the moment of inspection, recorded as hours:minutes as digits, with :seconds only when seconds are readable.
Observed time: 10:51:46
